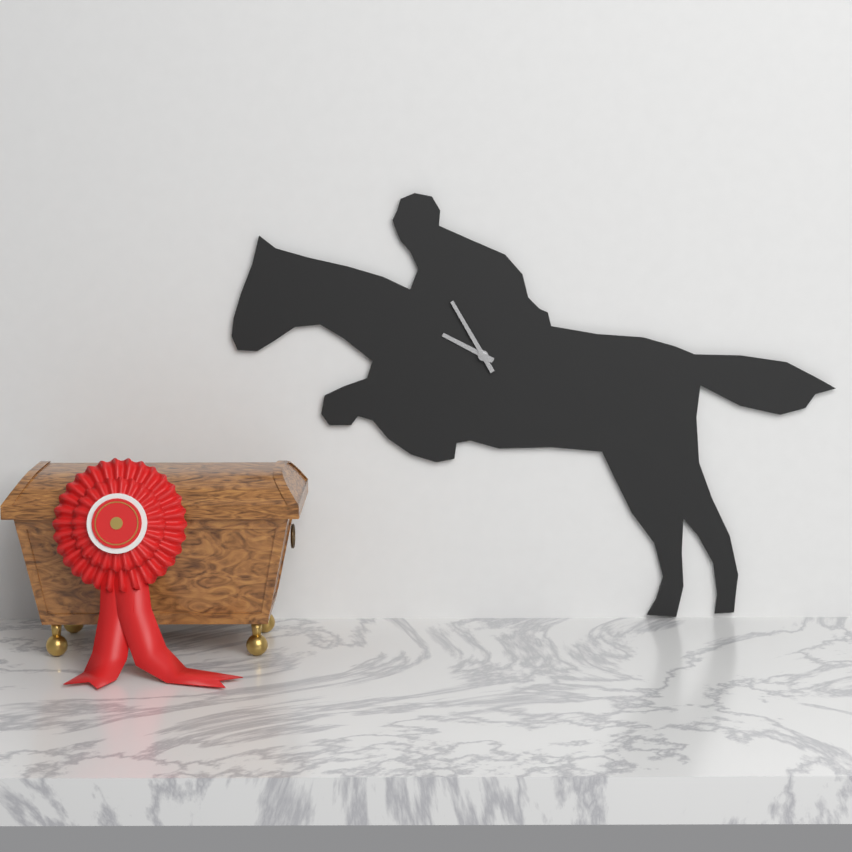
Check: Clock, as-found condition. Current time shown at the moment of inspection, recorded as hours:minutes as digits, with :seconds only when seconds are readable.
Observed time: 9:55
